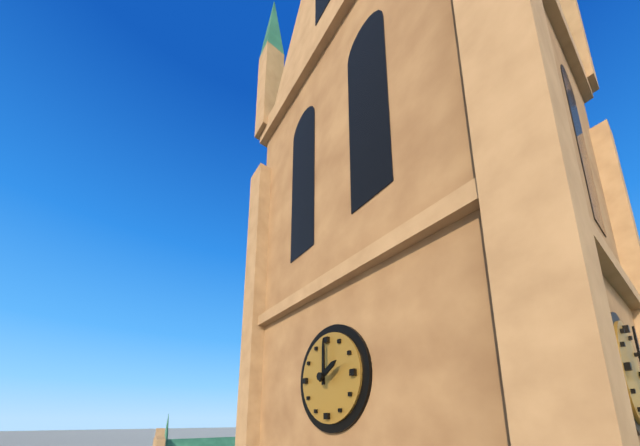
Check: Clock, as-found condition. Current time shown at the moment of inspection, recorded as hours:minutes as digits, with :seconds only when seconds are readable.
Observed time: 2:00
